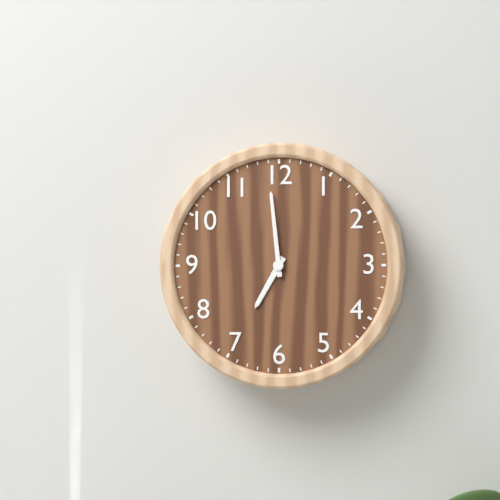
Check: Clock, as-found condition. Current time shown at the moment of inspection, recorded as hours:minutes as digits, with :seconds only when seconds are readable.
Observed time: 6:59
